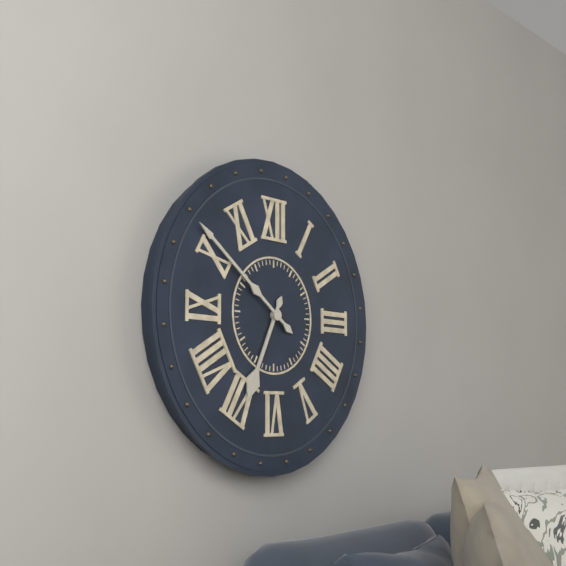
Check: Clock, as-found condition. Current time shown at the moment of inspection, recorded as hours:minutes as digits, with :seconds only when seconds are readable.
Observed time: 6:51
